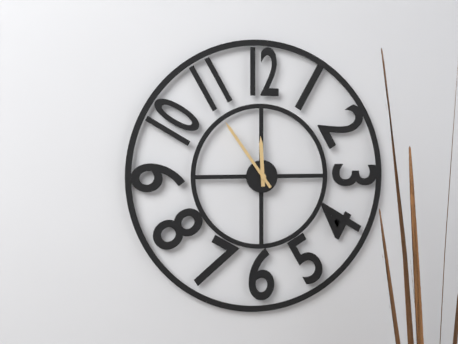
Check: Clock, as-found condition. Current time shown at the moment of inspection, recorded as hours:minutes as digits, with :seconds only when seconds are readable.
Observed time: 11:54
